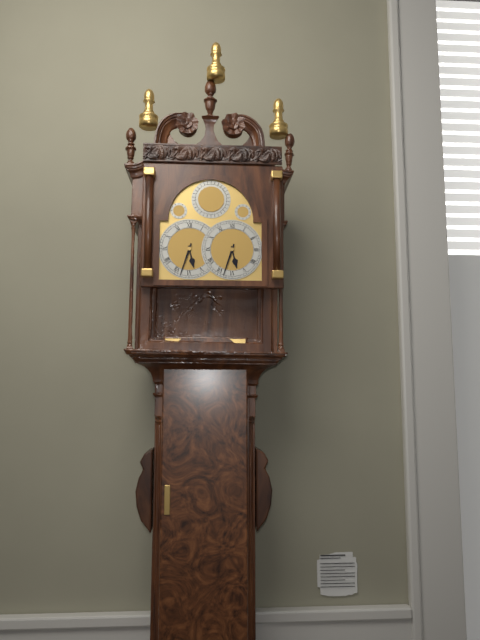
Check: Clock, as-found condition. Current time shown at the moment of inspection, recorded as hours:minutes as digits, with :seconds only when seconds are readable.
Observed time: 5:33
